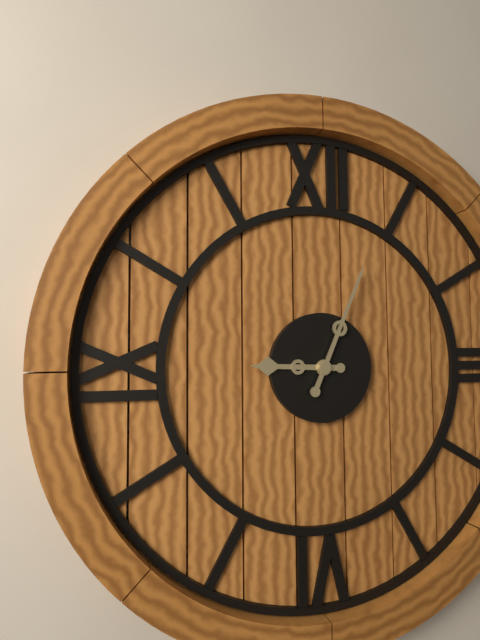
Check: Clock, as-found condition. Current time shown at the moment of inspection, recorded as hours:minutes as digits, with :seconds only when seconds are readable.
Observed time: 9:04
